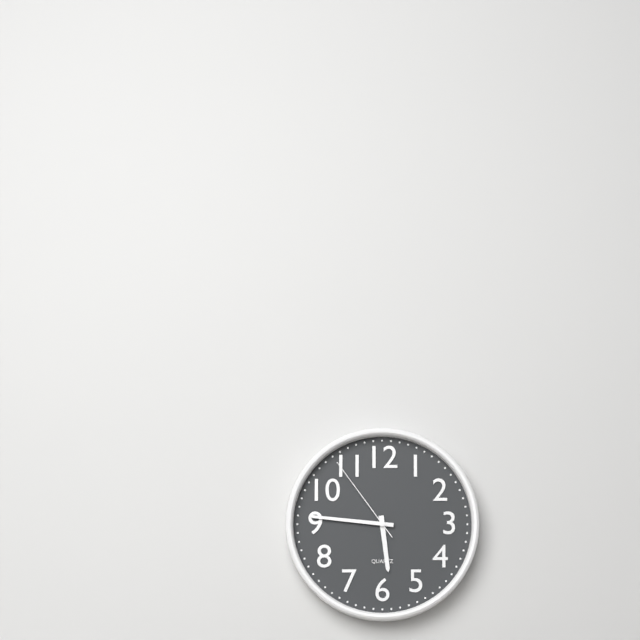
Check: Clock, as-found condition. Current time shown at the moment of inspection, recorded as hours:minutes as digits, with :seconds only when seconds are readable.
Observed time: 5:46:54
